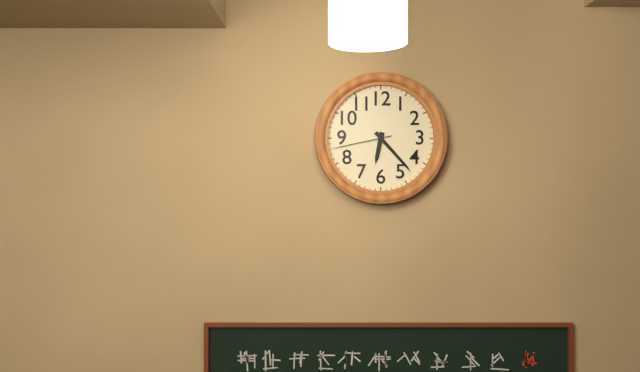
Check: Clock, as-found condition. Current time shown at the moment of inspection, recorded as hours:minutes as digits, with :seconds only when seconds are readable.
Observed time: 6:23:43
